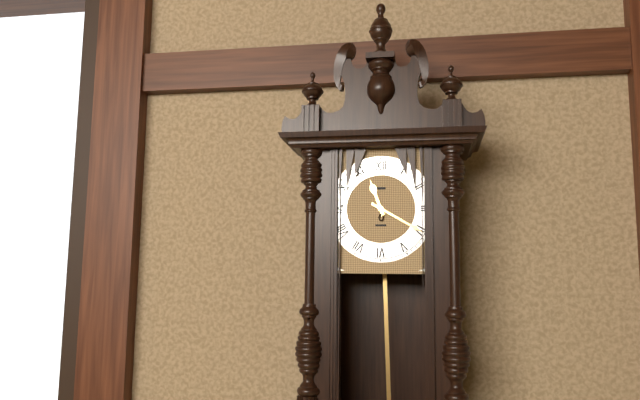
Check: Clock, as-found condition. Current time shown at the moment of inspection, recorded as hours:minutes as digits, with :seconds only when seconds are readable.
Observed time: 11:20
